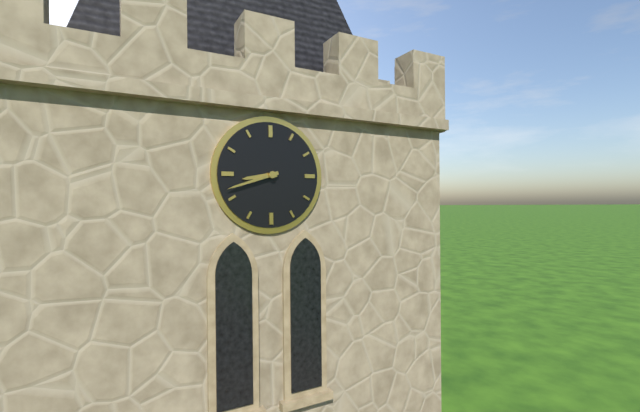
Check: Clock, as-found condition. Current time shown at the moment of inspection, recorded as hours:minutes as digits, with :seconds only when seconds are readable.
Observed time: 8:42
